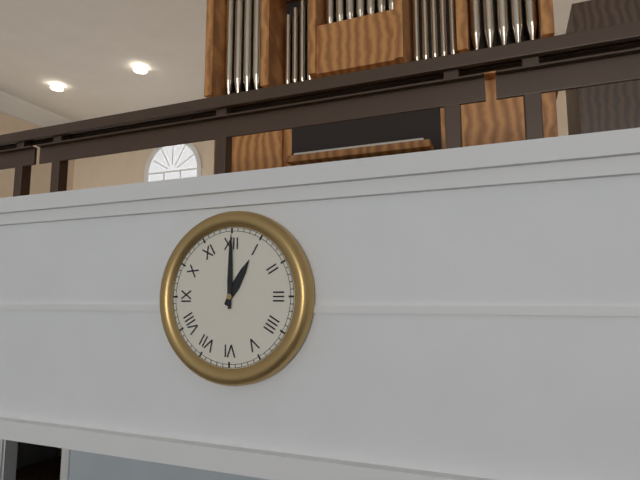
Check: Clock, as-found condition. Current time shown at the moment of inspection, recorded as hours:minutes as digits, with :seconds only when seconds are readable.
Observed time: 1:00
